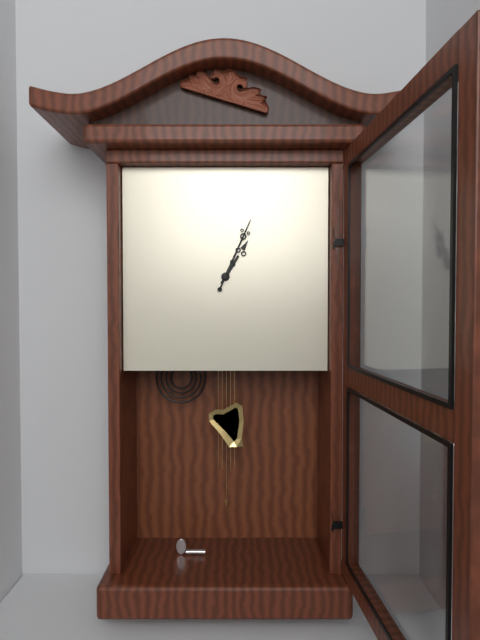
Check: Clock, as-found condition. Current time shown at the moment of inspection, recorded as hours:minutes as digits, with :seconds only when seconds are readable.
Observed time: 1:04
